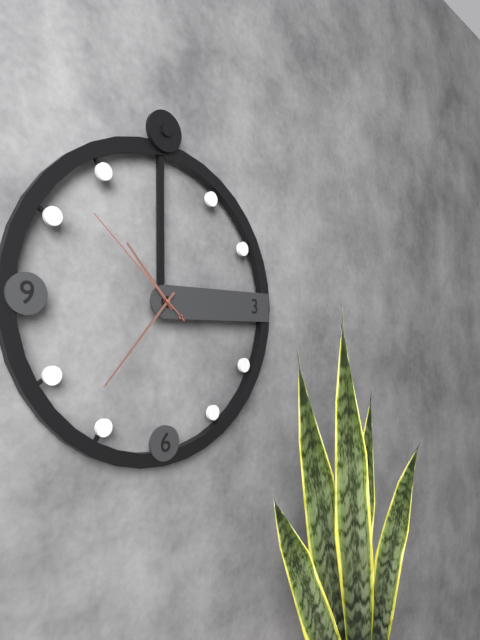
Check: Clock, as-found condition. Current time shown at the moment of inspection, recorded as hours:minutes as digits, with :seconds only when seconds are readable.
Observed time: 10:37:52
